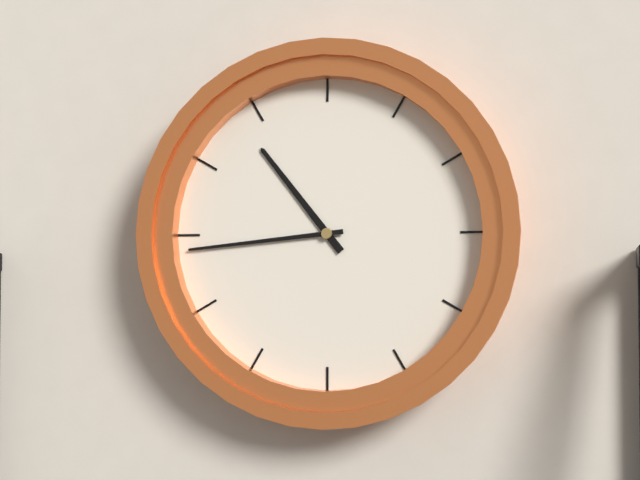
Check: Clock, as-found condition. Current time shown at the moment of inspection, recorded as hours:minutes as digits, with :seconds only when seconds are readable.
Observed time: 10:44
